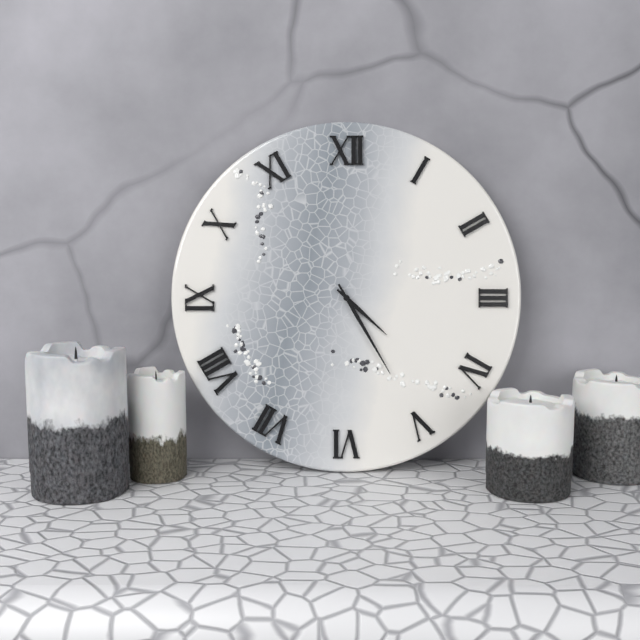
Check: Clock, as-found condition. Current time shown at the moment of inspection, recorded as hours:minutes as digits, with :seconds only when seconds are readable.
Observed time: 4:25
